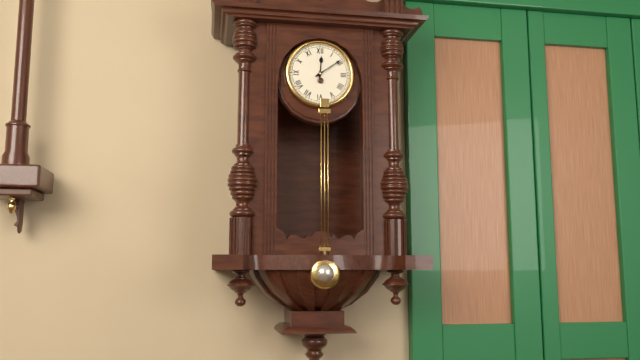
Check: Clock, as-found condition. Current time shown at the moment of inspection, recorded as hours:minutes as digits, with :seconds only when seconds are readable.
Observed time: 12:09
